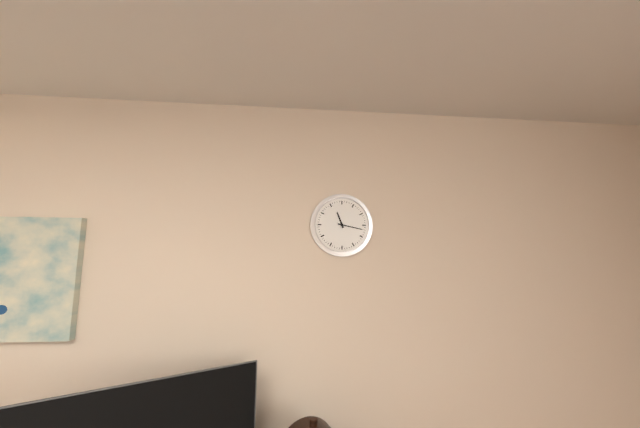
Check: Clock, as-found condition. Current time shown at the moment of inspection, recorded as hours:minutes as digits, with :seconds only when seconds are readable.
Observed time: 11:17
